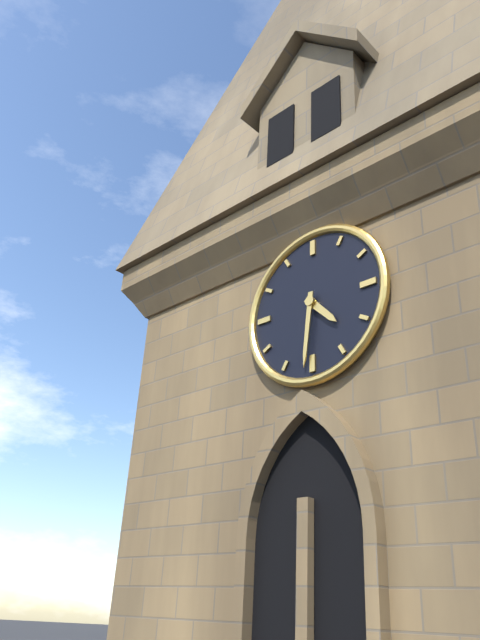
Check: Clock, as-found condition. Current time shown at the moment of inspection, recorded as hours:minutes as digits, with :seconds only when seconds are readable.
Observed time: 4:31
